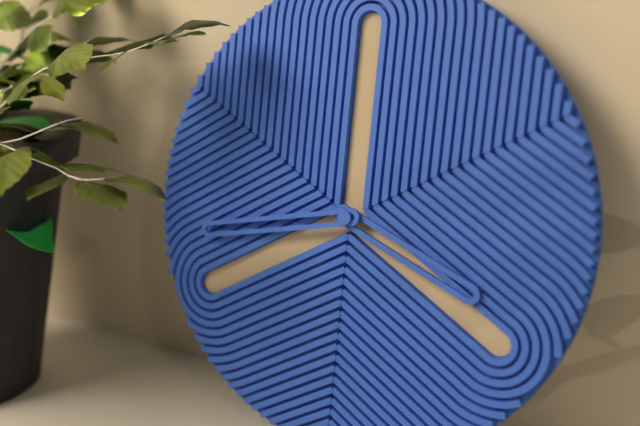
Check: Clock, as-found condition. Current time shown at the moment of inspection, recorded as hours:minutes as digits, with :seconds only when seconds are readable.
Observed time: 3:43
